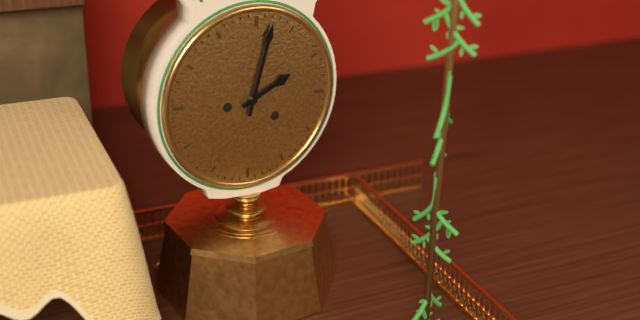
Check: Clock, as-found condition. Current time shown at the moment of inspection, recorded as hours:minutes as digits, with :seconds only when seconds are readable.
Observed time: 2:02
